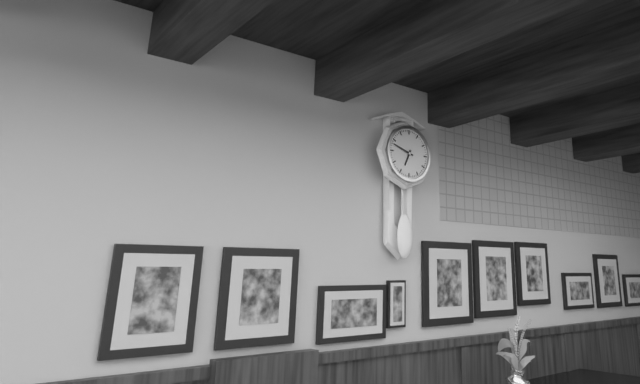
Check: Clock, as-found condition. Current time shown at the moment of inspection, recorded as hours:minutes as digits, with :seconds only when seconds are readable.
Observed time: 6:48
